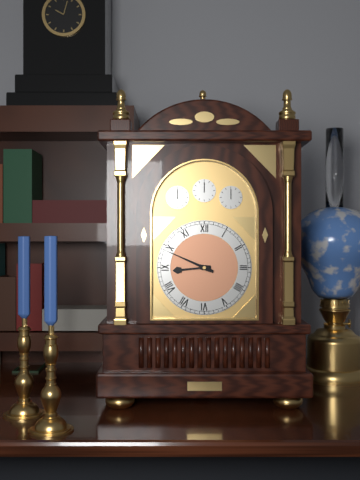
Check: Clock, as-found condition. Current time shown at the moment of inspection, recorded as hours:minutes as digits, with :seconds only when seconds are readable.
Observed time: 8:49
